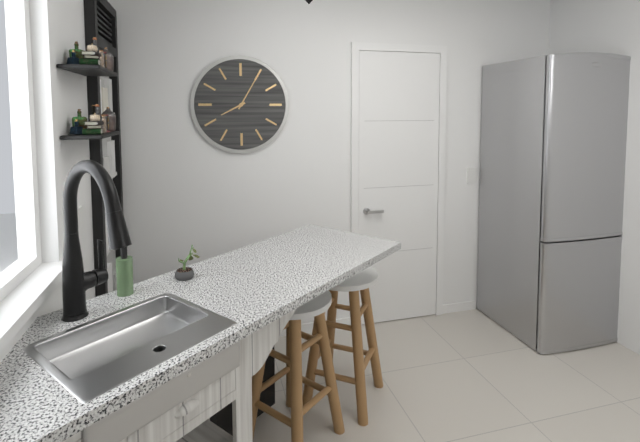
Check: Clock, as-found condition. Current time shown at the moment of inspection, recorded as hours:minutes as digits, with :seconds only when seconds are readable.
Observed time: 8:05
